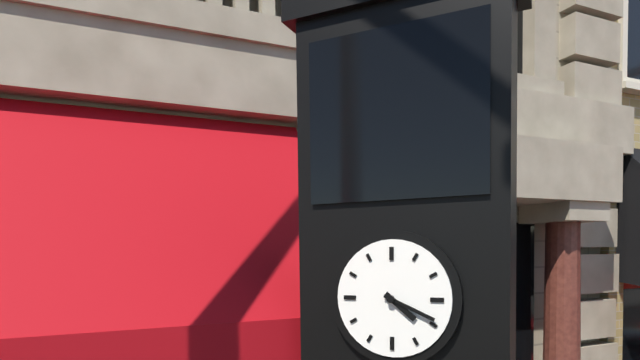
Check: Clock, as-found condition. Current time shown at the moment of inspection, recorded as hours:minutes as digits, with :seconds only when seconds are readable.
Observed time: 4:19
